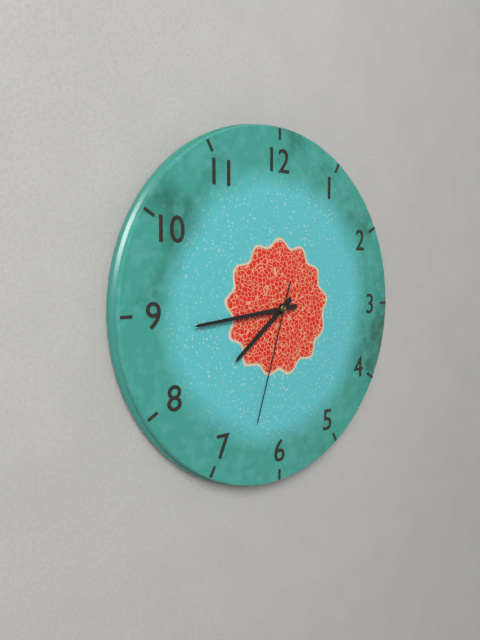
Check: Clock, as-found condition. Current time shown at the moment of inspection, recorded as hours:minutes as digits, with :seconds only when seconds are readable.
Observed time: 7:44:33
